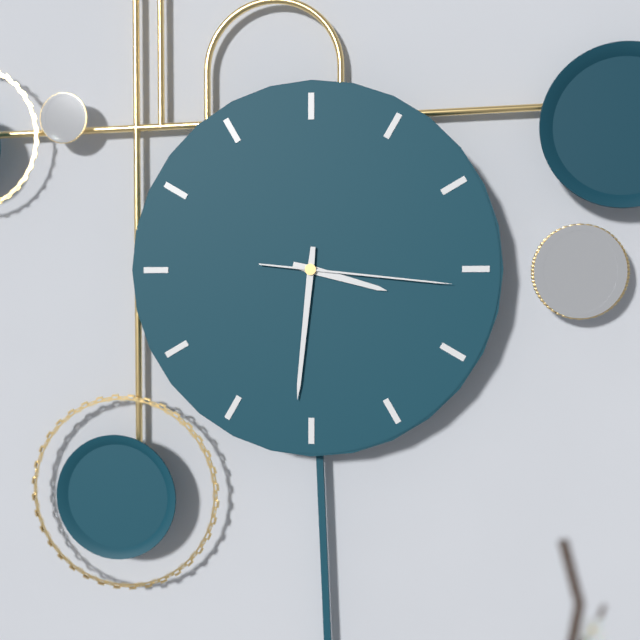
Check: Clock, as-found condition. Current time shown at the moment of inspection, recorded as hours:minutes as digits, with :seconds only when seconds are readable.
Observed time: 3:31:16
